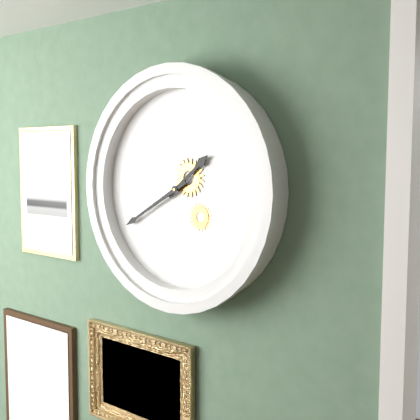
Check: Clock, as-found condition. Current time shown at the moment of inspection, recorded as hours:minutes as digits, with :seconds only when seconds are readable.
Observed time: 1:40
